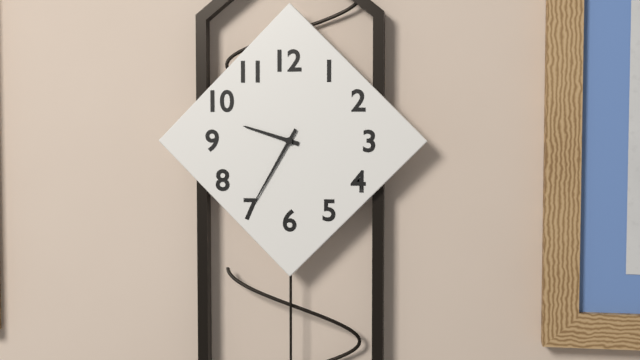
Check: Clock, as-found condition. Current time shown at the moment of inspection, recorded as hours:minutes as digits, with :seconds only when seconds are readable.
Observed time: 9:35
